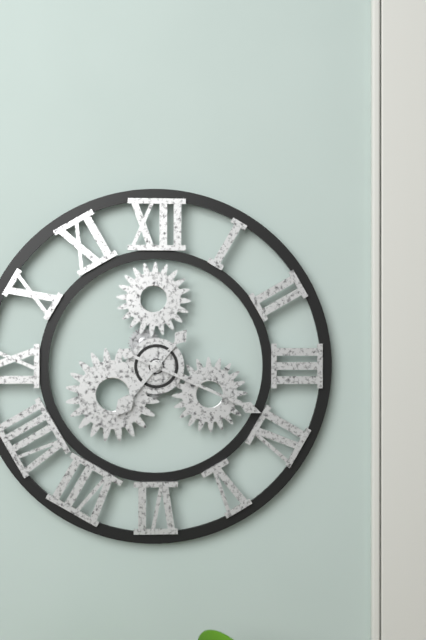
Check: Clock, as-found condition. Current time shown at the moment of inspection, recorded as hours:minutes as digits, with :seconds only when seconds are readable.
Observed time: 7:19
